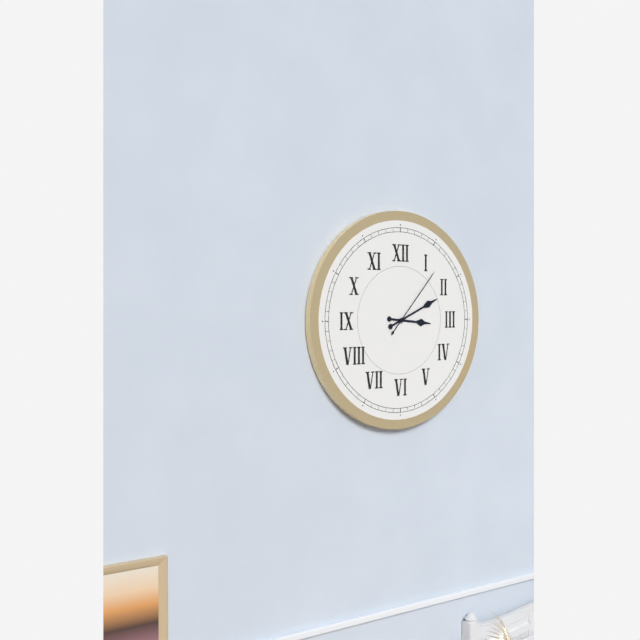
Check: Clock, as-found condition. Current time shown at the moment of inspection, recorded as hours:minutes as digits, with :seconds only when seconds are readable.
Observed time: 3:11:07
